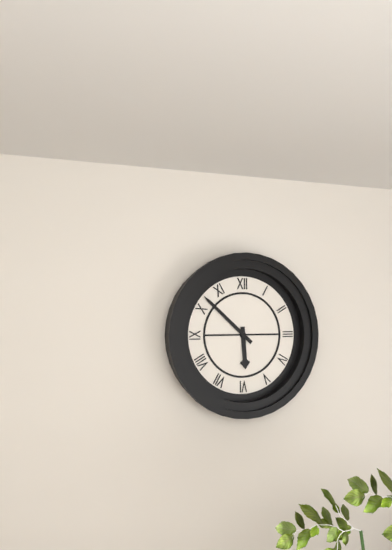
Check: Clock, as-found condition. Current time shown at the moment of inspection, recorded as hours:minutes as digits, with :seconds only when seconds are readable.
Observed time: 5:52
